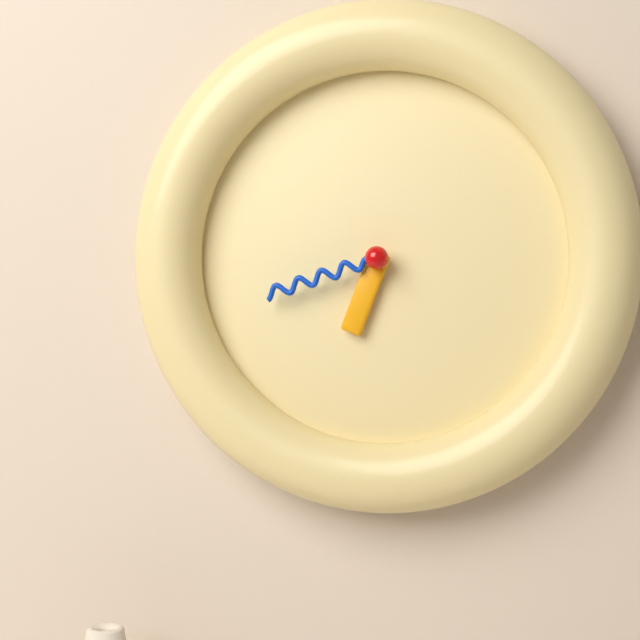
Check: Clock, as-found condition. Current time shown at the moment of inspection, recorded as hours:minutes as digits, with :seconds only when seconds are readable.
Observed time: 6:42
